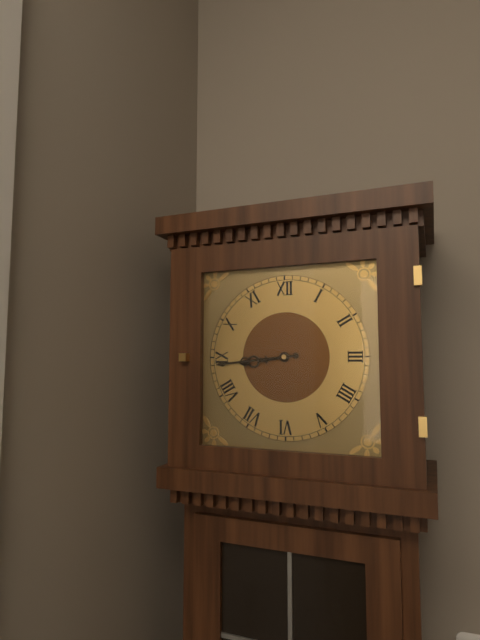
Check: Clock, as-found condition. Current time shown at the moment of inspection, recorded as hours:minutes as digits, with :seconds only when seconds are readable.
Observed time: 8:44
